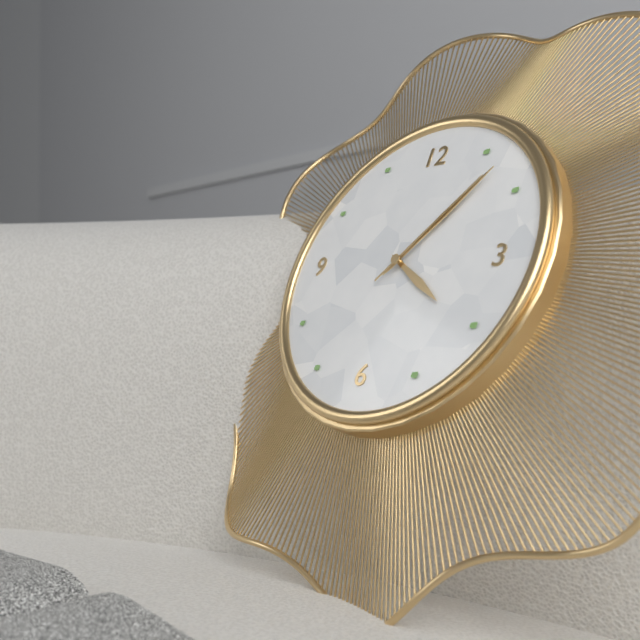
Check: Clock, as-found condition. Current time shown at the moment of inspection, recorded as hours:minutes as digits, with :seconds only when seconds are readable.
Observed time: 4:07:07
